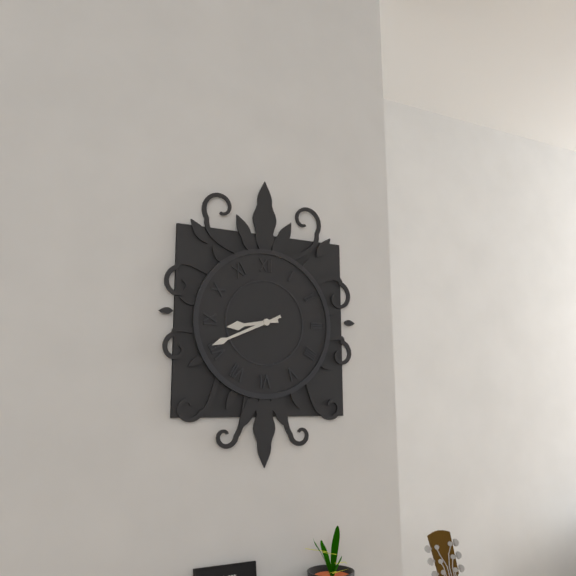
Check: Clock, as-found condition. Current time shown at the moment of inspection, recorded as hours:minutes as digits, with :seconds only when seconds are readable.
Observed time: 8:41
